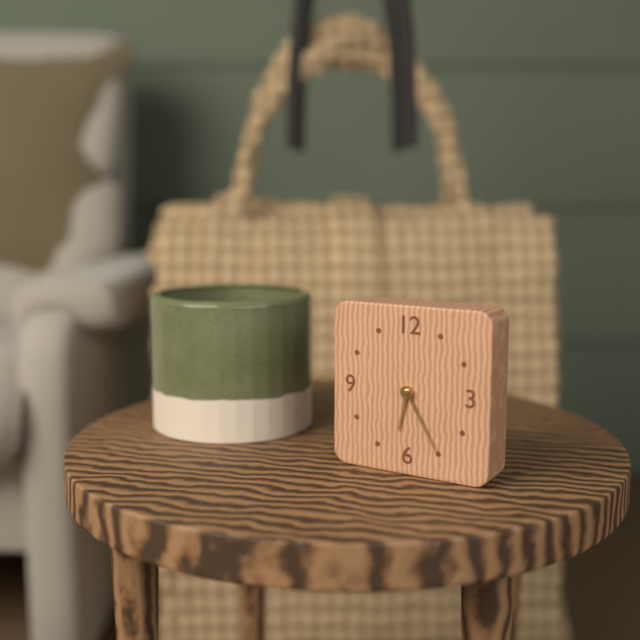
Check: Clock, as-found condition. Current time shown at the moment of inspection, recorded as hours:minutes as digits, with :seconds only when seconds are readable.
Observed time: 6:25
